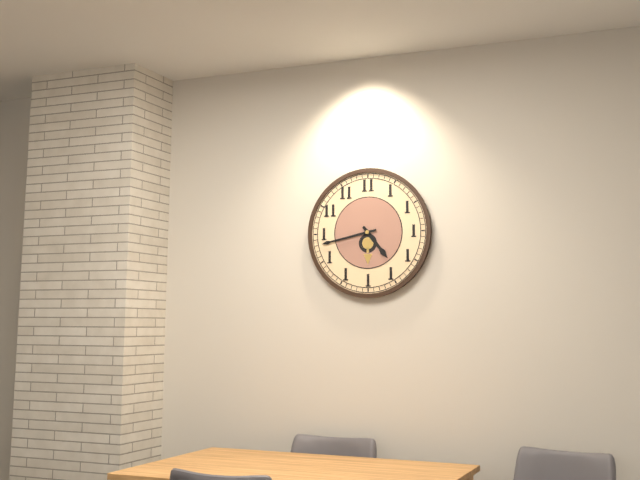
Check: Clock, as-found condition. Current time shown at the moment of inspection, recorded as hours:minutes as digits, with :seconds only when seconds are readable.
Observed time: 4:43
